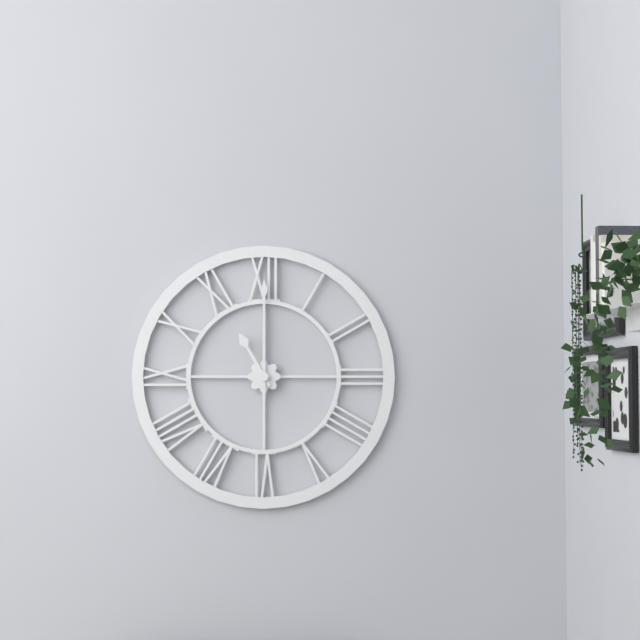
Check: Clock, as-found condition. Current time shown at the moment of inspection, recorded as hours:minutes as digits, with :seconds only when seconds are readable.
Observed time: 11:00
